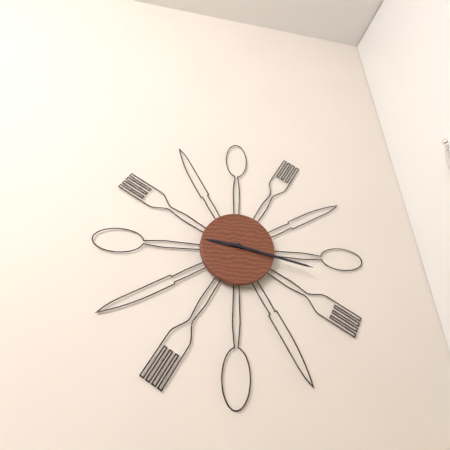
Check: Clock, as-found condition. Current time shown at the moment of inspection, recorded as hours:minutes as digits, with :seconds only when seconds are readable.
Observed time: 9:17
